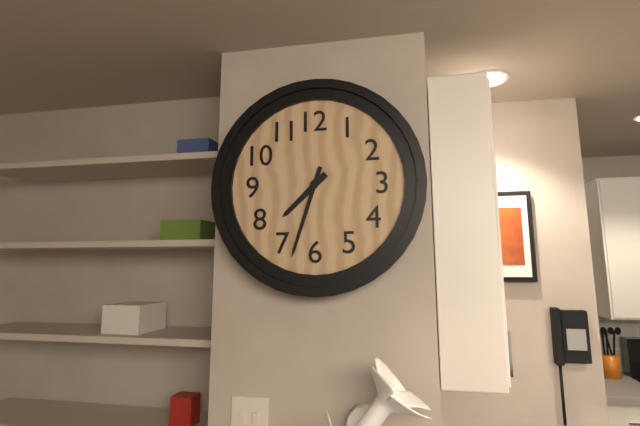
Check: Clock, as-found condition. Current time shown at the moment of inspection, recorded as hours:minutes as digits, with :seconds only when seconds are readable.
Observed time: 7:33
